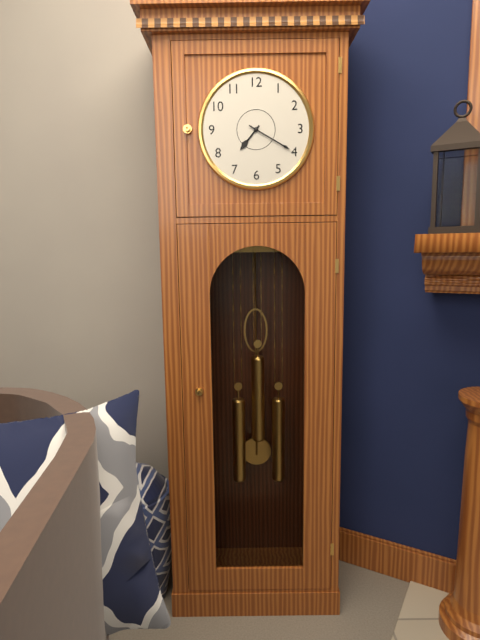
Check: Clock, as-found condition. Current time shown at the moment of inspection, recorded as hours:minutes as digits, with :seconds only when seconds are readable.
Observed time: 7:20
